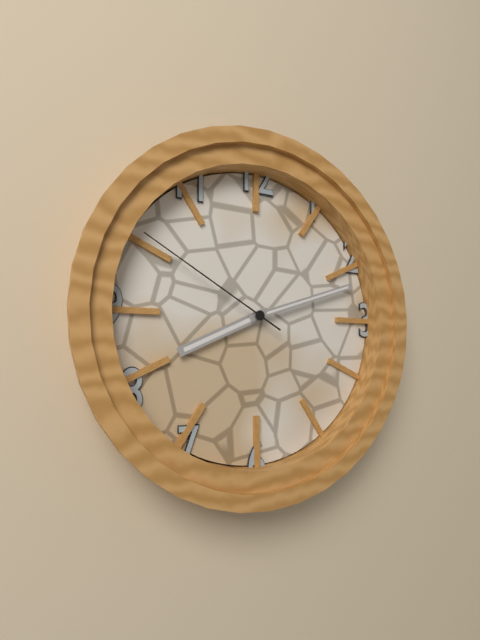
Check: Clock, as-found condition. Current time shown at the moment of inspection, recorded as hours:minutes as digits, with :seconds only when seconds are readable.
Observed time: 8:12:50
